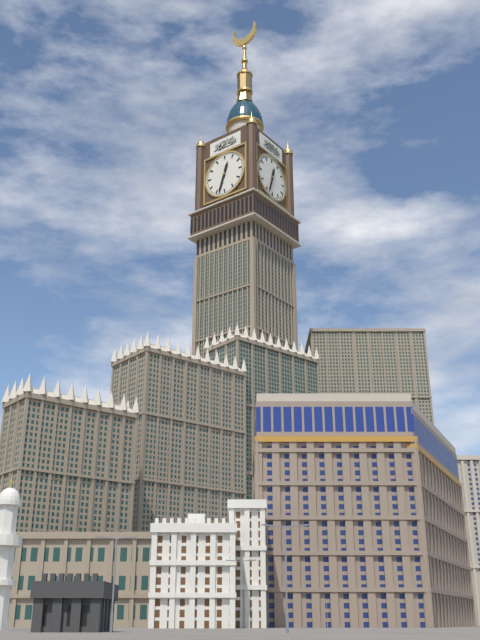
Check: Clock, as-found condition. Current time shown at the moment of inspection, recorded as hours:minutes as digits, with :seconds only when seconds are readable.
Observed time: 12:33
